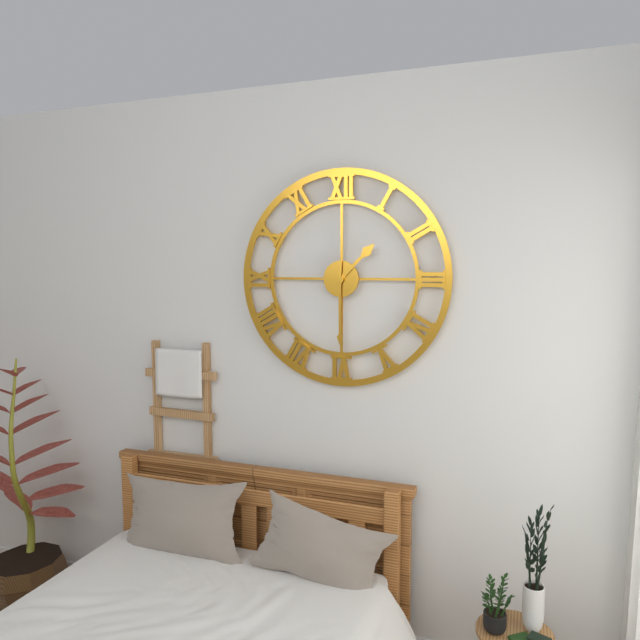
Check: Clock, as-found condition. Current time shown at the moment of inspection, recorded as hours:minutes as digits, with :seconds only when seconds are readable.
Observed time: 1:30
